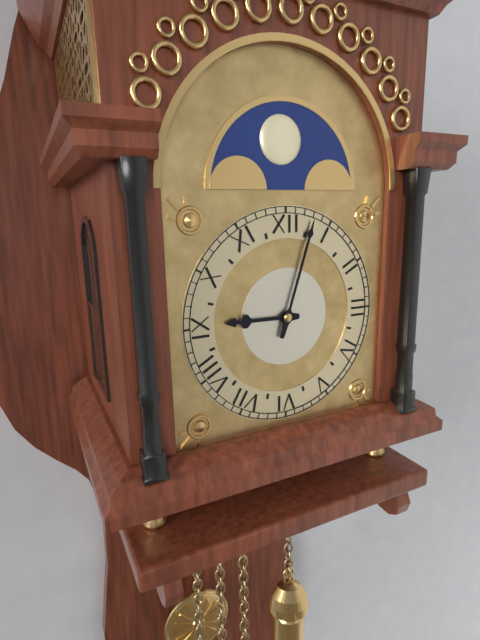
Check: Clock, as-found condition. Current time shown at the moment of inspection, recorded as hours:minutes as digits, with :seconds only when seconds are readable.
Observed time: 9:03
